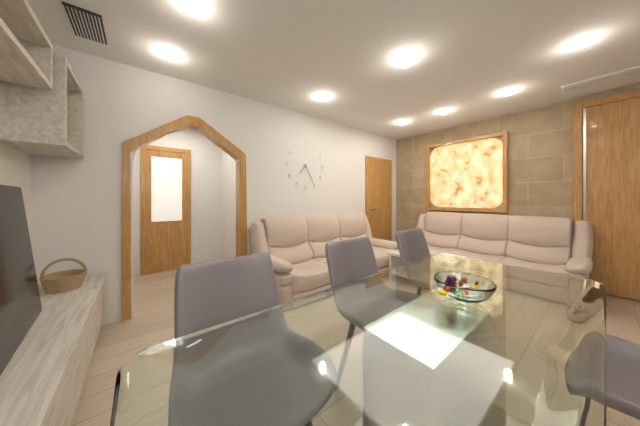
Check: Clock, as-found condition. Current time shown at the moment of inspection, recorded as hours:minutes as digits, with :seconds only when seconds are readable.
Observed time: 7:25
